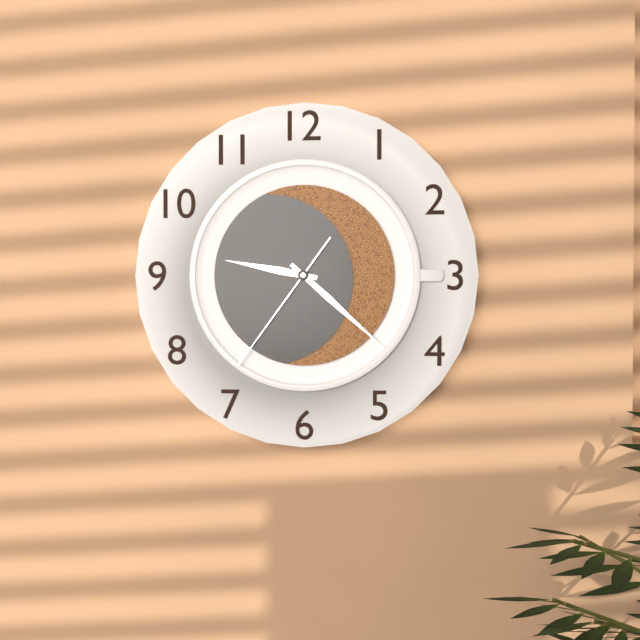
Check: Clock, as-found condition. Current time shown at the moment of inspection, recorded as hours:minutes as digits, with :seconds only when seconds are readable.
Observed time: 9:22:36
